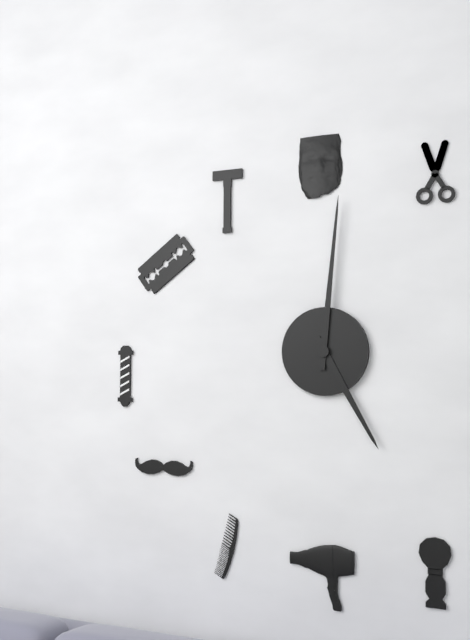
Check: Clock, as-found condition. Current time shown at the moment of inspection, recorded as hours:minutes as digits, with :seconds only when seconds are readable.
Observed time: 5:01
